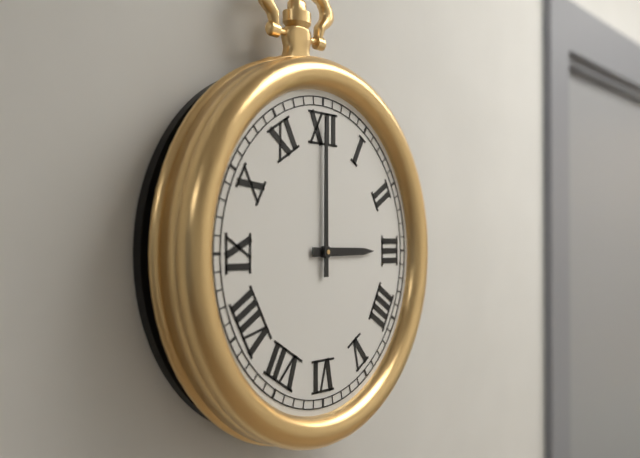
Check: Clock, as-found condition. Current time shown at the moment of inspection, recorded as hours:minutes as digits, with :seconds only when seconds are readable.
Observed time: 3:00
